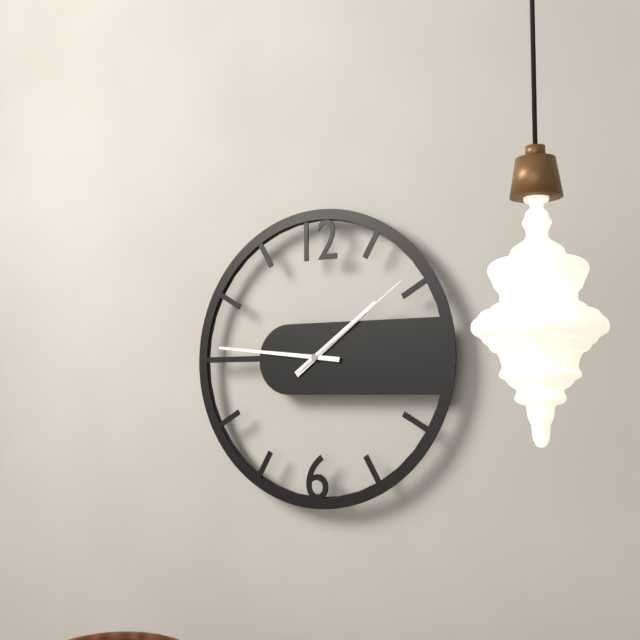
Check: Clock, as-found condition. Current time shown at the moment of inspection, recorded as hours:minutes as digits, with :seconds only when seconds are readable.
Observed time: 1:46:09
